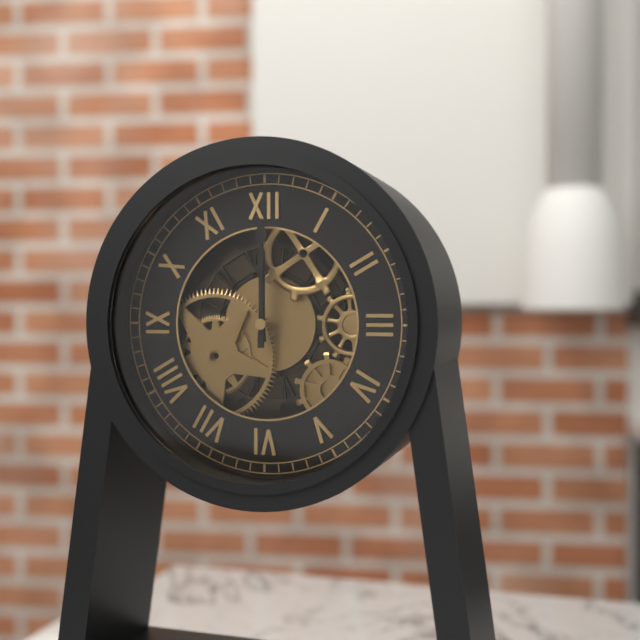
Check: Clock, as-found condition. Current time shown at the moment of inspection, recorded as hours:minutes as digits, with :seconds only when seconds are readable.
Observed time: 12:00
